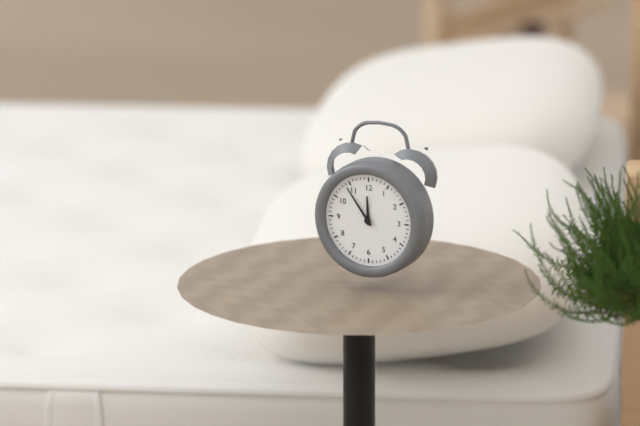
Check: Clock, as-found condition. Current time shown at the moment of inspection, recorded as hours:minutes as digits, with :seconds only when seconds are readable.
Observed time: 11:54
